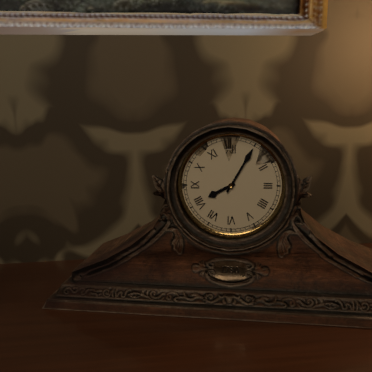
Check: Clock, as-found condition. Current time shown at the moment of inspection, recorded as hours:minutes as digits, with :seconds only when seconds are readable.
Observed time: 8:05
